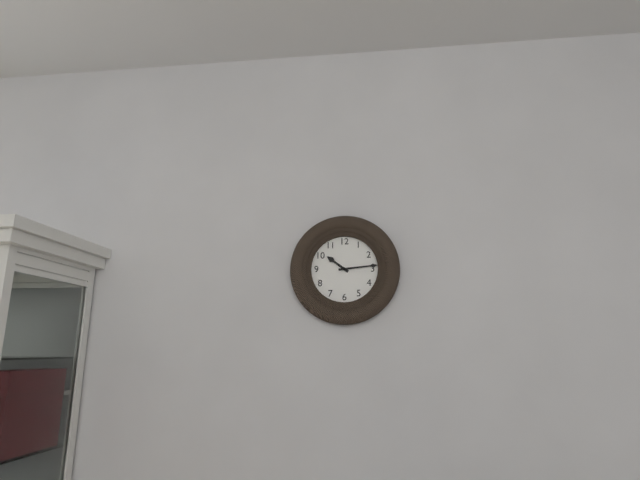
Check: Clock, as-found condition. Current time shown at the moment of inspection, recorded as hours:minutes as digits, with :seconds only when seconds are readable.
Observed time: 10:14
